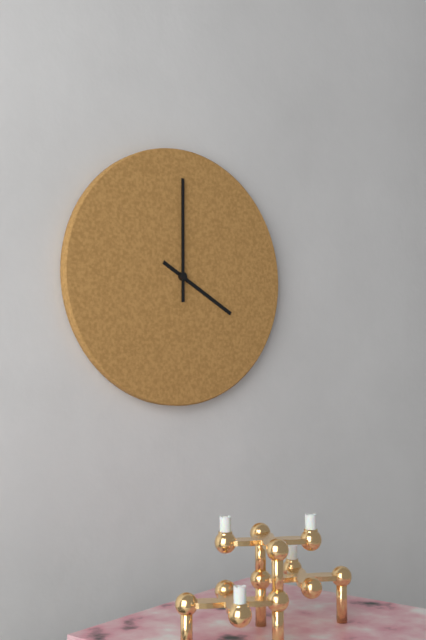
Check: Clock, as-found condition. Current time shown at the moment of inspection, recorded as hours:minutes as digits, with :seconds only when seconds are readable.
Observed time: 4:00
